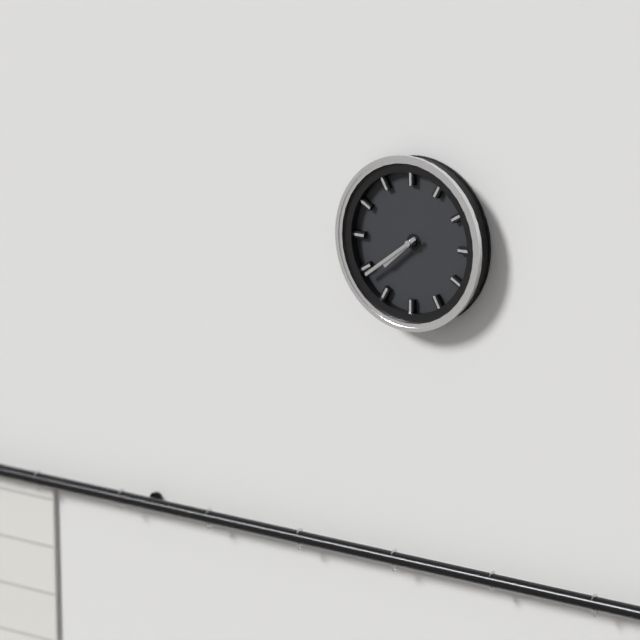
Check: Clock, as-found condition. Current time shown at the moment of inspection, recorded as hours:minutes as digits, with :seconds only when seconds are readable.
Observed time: 7:39
